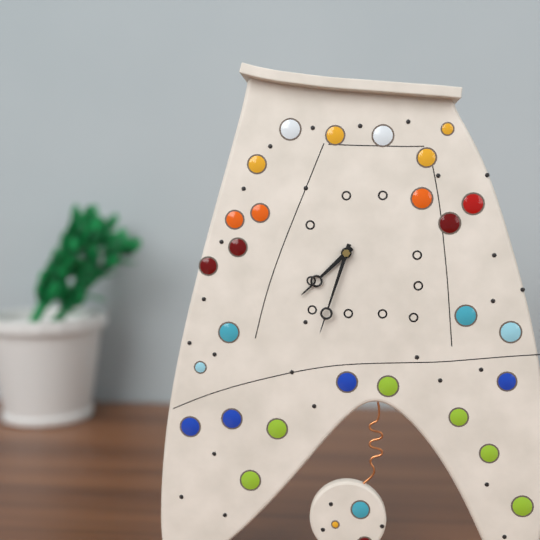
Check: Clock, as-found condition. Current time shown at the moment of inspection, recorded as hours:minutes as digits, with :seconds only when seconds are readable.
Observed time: 7:33
